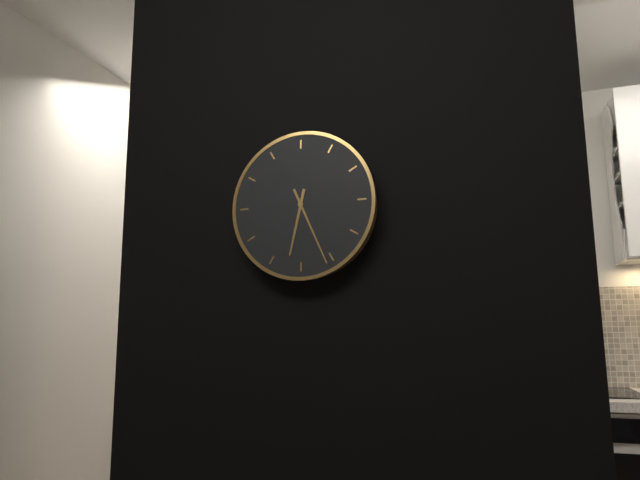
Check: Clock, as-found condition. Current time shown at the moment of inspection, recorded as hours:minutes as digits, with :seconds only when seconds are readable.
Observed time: 6:26
